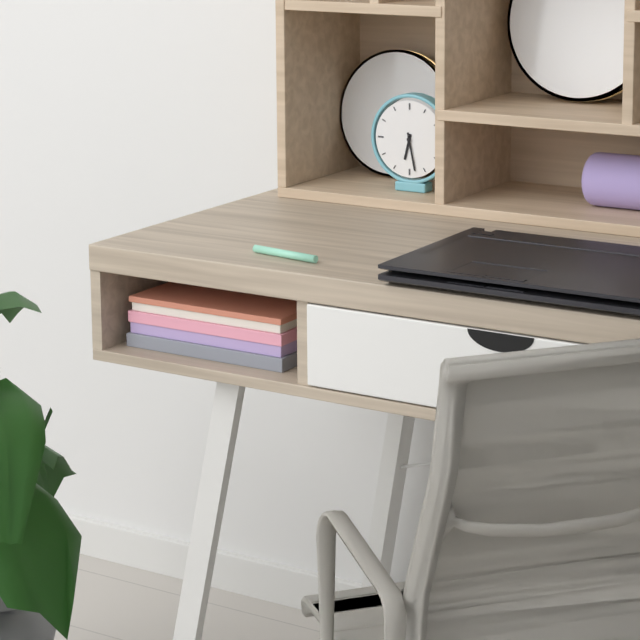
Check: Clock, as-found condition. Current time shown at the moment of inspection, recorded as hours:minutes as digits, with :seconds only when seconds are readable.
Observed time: 6:28
